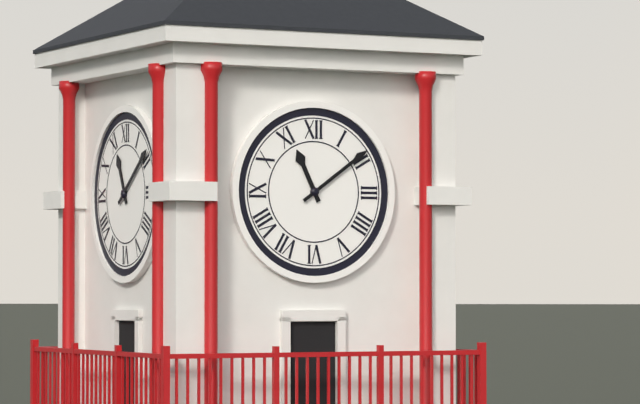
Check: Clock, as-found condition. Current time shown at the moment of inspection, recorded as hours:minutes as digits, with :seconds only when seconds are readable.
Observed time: 11:09
